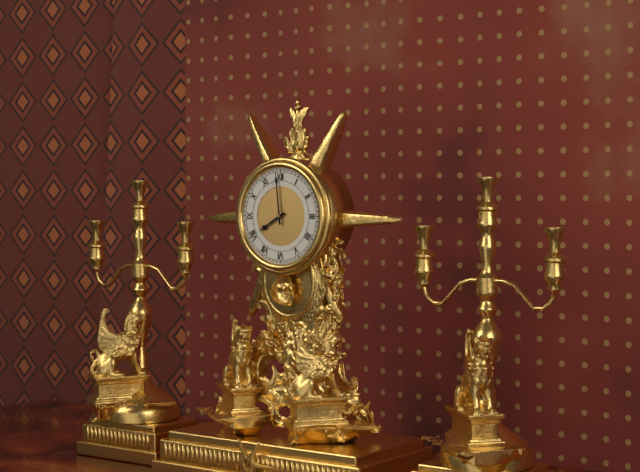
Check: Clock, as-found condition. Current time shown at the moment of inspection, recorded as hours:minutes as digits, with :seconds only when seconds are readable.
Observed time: 7:59
